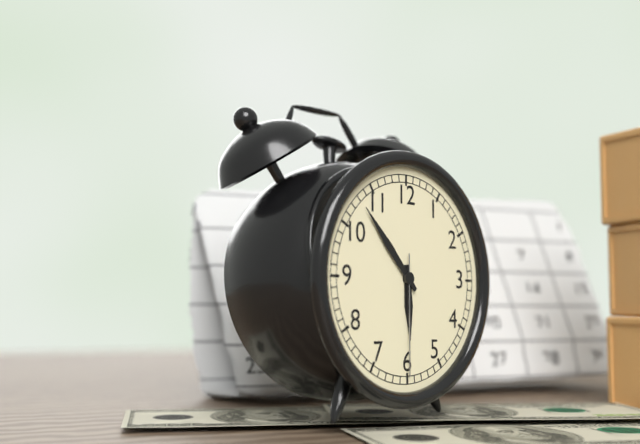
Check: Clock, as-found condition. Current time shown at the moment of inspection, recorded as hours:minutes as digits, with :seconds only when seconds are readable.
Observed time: 5:53:30
